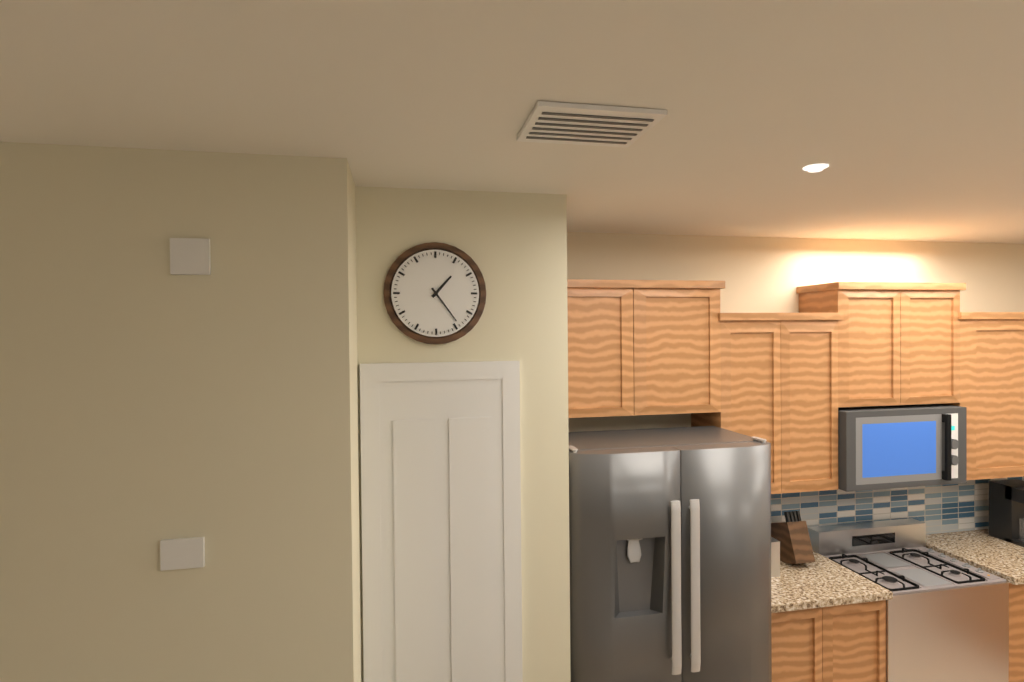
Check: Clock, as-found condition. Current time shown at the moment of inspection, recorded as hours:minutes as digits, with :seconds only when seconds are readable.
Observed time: 1:24
